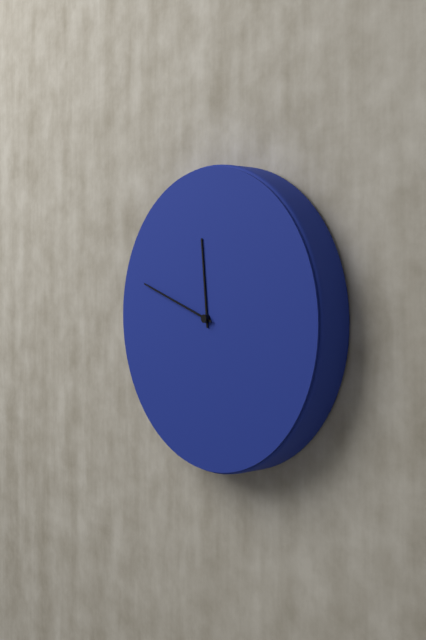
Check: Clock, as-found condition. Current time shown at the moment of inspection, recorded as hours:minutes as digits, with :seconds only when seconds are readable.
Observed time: 11:48
